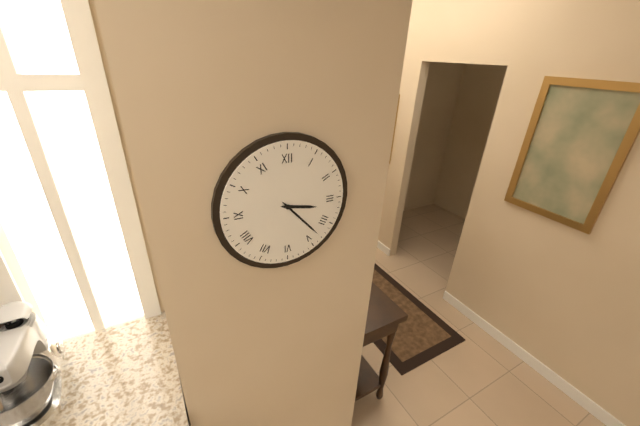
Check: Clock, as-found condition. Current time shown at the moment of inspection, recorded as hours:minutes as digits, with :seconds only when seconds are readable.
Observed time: 3:23
